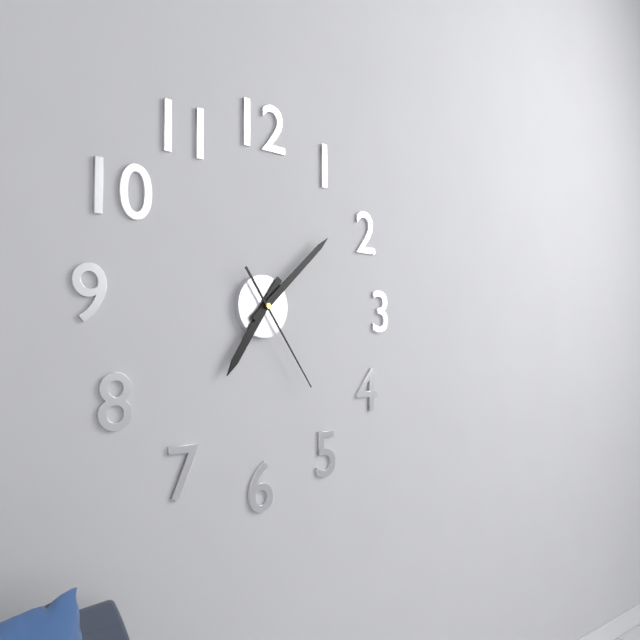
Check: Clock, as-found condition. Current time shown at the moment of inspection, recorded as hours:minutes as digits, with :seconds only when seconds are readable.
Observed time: 7:08:24
